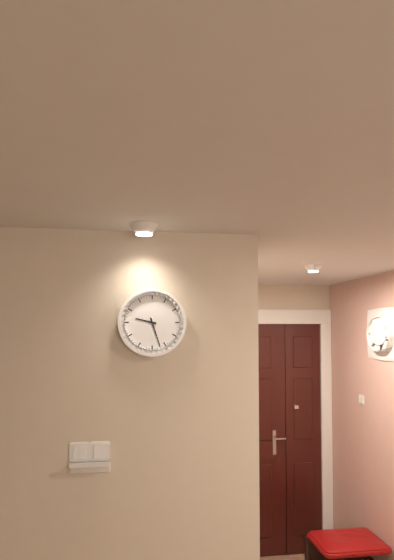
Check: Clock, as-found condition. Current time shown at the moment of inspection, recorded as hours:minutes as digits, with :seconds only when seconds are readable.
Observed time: 9:27
